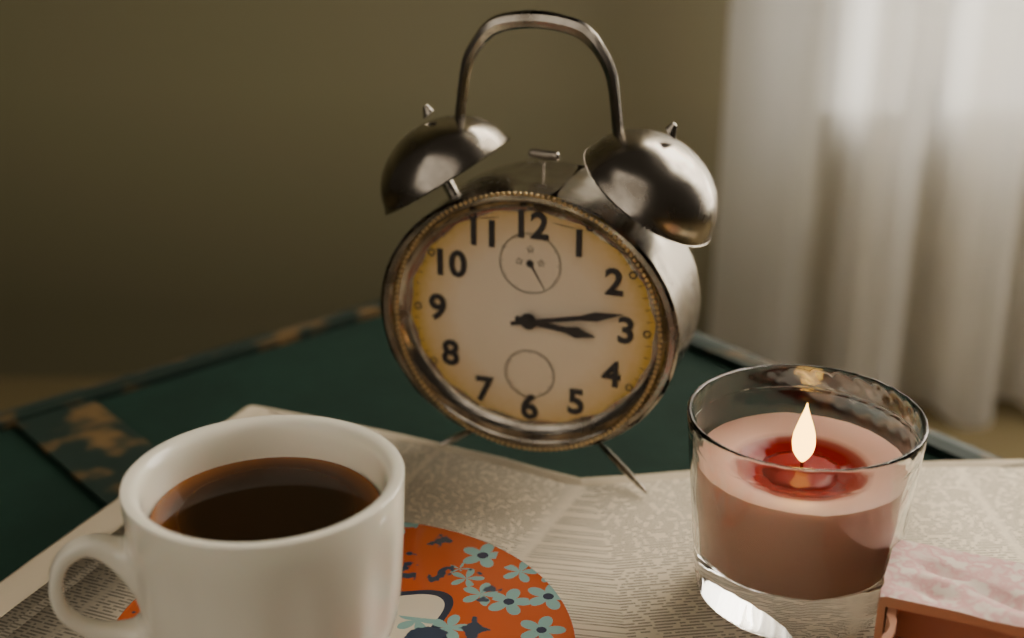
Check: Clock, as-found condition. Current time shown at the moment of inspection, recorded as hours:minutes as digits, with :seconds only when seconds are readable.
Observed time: 3:13
